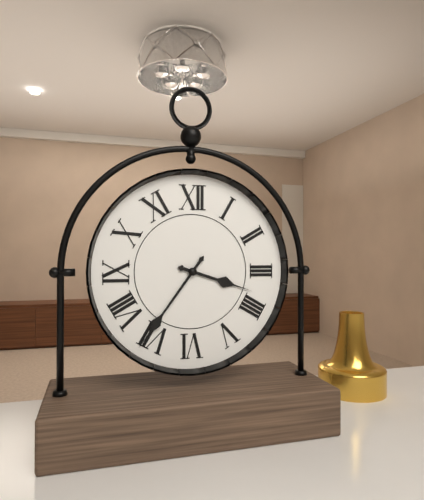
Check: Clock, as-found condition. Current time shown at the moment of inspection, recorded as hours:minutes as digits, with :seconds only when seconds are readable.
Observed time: 3:36
